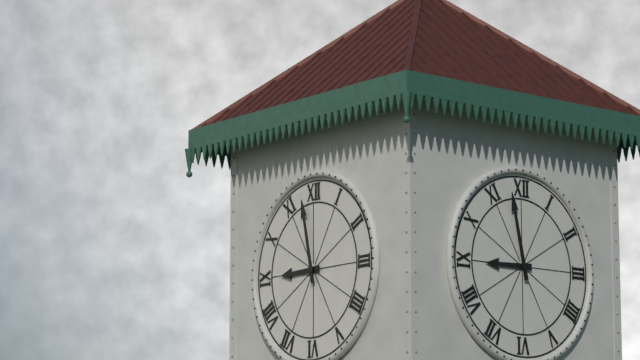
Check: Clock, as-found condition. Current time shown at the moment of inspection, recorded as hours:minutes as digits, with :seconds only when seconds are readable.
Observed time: 8:58
